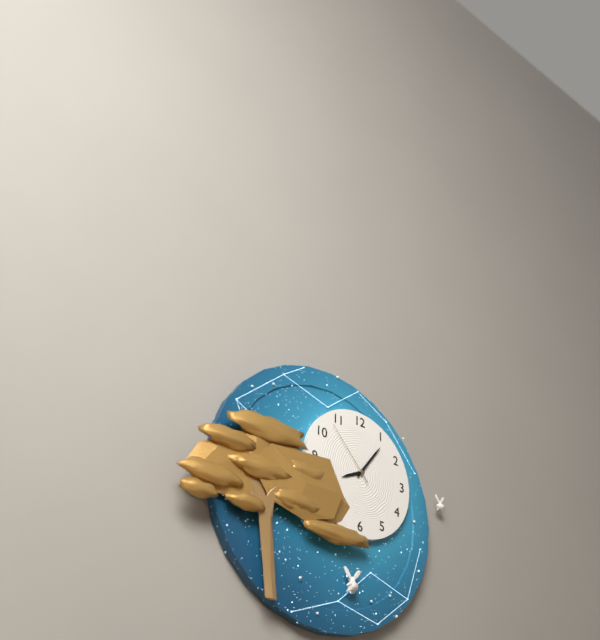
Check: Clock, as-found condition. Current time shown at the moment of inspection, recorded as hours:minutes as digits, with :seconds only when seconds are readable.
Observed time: 8:06:53
